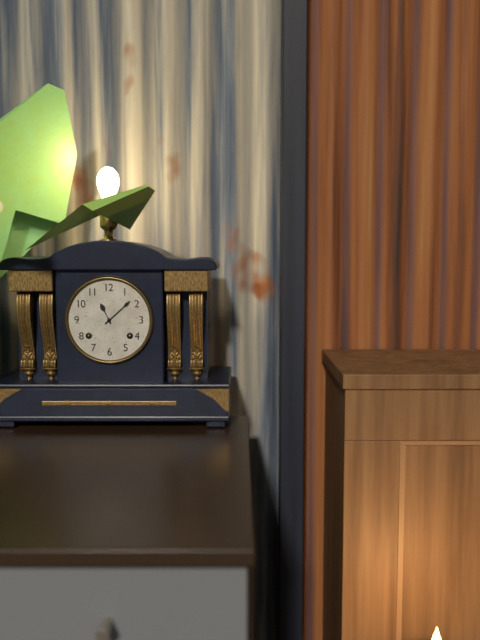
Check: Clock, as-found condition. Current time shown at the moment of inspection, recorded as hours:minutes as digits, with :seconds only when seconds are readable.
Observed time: 11:08
